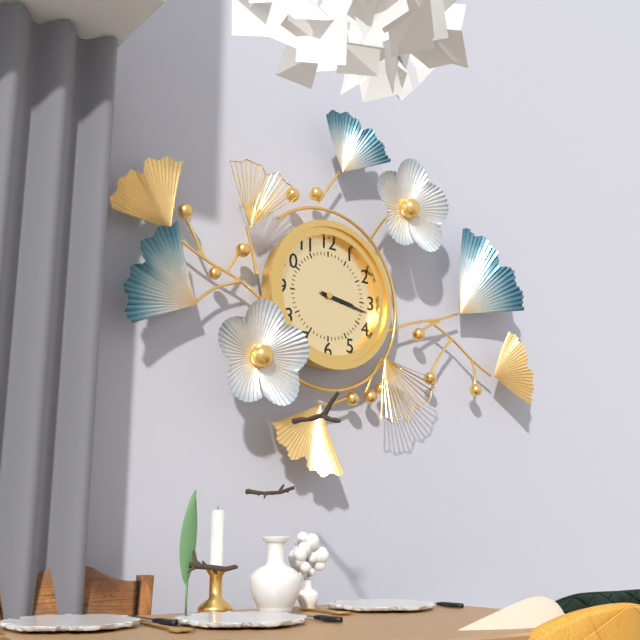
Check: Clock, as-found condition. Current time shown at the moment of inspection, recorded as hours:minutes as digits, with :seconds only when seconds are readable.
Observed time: 3:17
